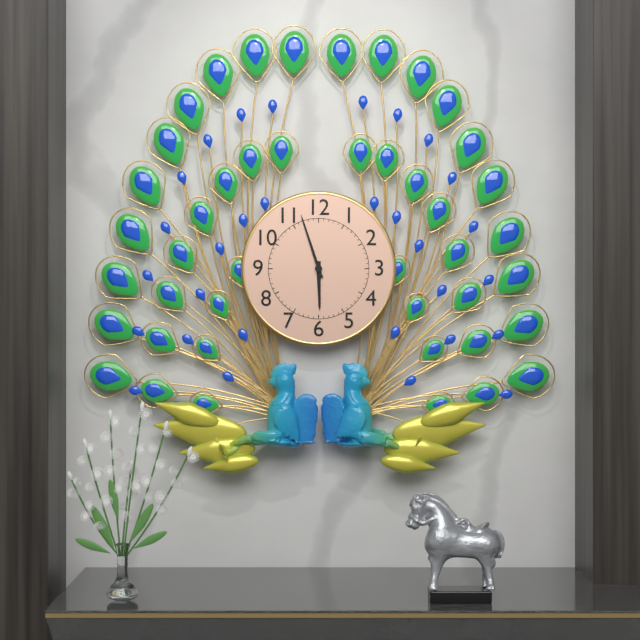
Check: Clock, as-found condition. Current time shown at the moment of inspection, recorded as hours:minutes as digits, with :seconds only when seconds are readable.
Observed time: 5:57
